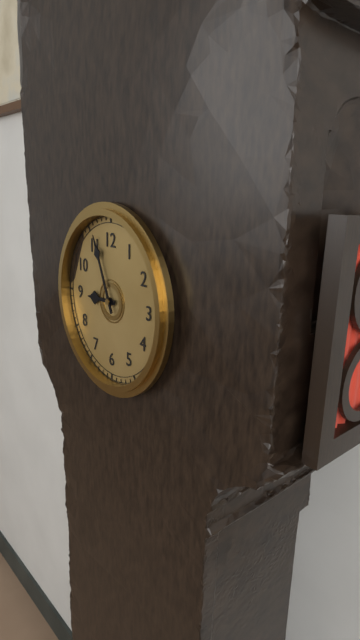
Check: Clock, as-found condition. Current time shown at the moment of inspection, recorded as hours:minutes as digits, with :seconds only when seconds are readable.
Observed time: 8:56
